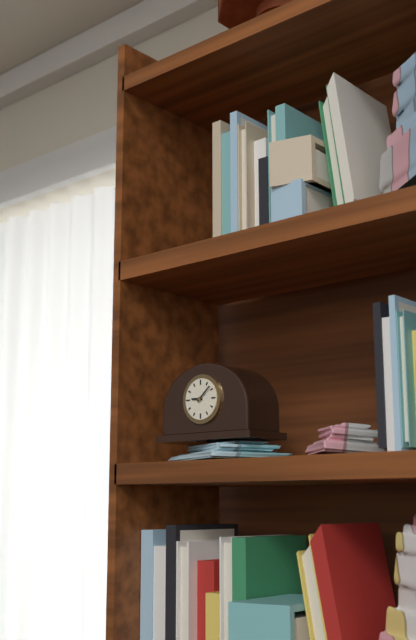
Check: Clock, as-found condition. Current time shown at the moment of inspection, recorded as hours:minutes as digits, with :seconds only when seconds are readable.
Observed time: 9:08
